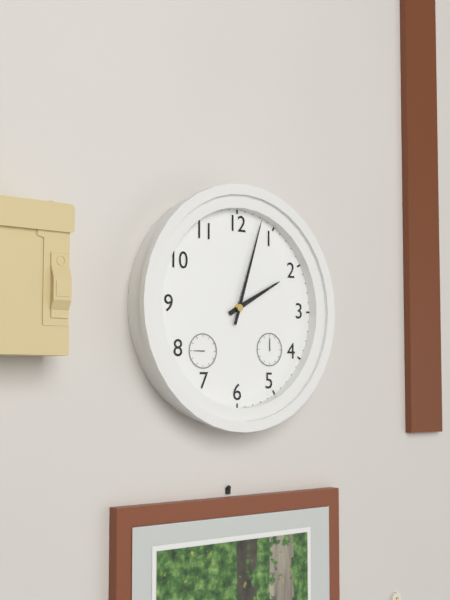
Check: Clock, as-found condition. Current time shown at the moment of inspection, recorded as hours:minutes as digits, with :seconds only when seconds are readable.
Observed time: 2:03
